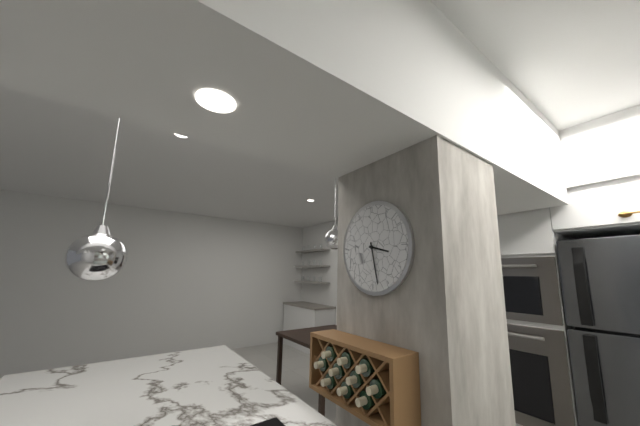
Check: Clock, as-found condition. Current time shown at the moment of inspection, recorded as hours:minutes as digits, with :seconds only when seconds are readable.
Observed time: 3:28
